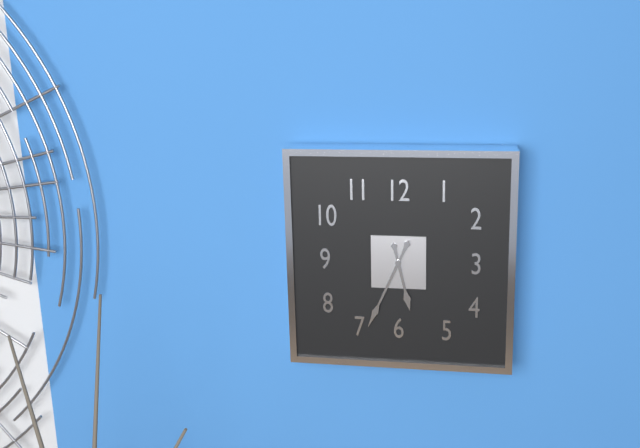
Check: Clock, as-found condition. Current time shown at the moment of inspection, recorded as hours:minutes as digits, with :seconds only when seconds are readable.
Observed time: 5:34
